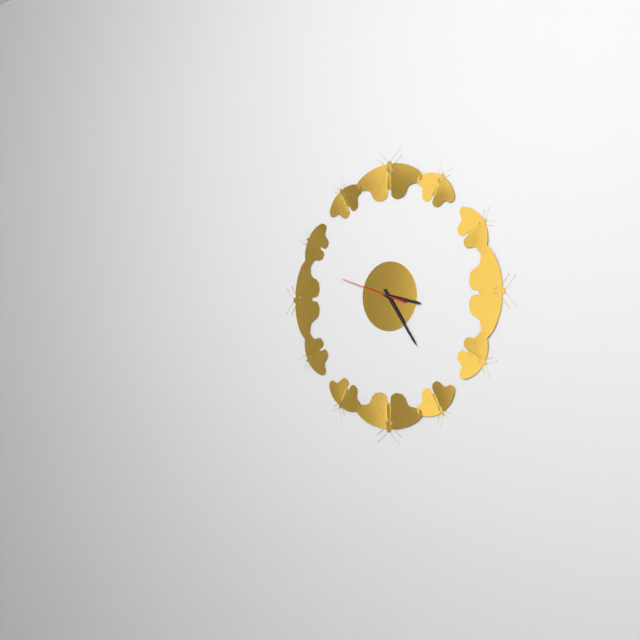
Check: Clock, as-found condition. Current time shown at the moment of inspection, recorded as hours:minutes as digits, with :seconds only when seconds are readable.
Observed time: 3:24:48
